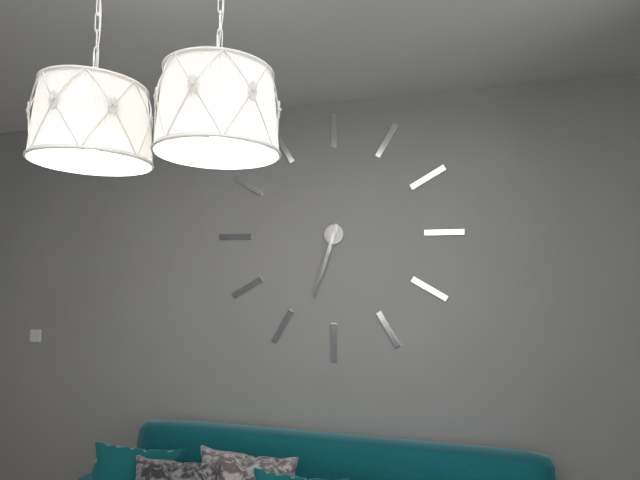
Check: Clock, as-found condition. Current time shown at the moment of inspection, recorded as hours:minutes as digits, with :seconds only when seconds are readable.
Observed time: 6:33
